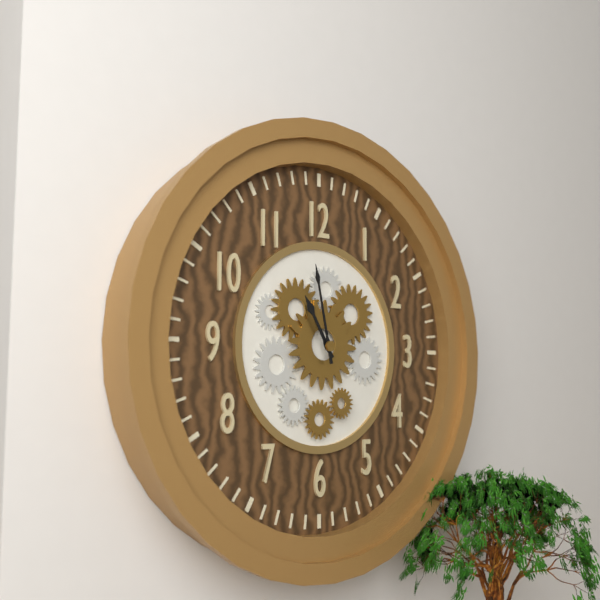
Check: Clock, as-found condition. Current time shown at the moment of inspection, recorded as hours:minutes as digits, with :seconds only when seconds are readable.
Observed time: 10:58
